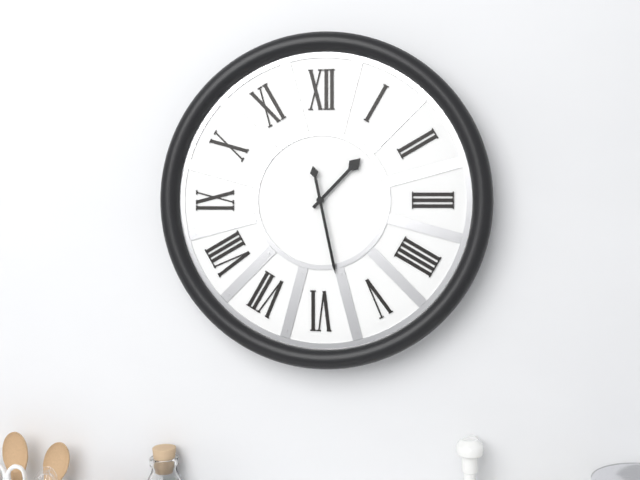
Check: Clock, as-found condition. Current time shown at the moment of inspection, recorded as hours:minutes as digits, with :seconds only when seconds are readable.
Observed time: 1:28
